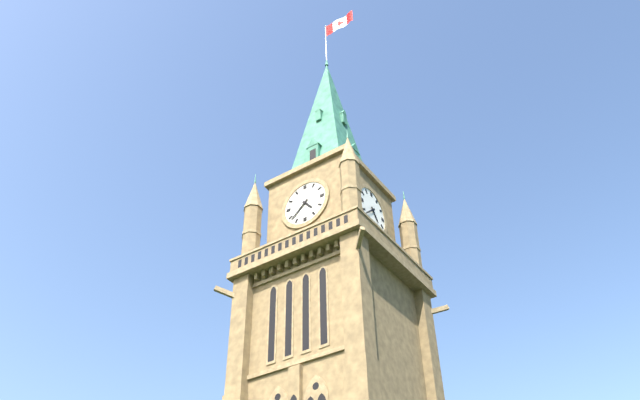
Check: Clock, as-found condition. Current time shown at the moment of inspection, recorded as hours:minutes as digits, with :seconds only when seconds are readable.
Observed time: 4:38
